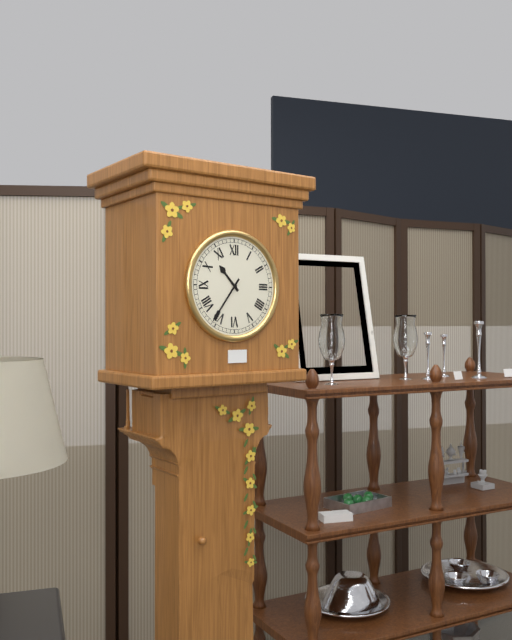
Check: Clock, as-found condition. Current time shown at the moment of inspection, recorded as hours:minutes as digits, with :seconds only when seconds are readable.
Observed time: 10:36
